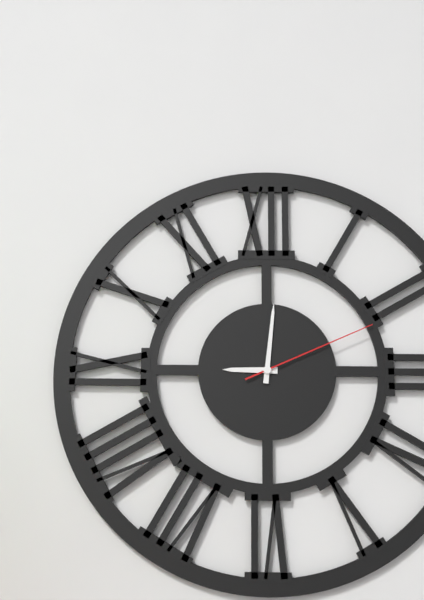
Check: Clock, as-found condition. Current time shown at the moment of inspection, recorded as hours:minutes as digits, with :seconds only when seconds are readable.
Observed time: 9:01:11
